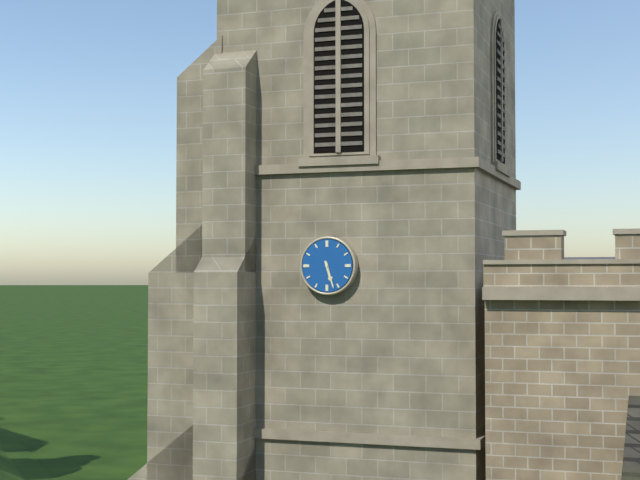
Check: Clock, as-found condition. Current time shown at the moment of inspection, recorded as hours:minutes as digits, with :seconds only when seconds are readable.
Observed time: 5:27
